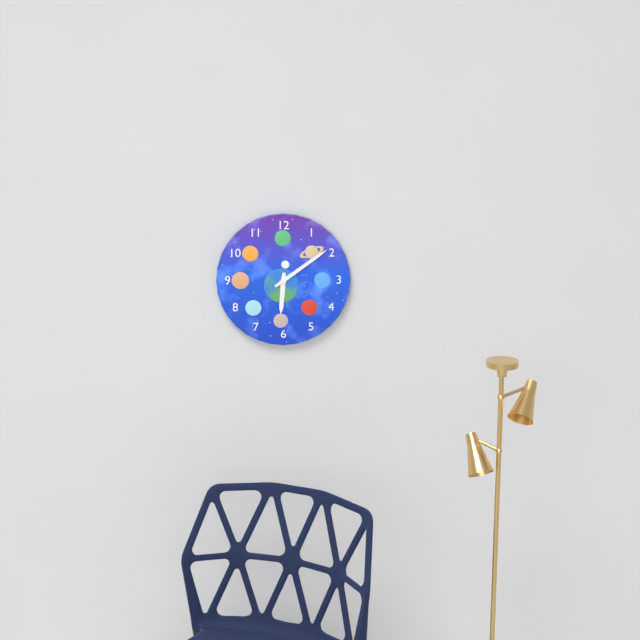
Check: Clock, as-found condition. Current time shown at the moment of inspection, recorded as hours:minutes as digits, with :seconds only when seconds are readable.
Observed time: 6:09
